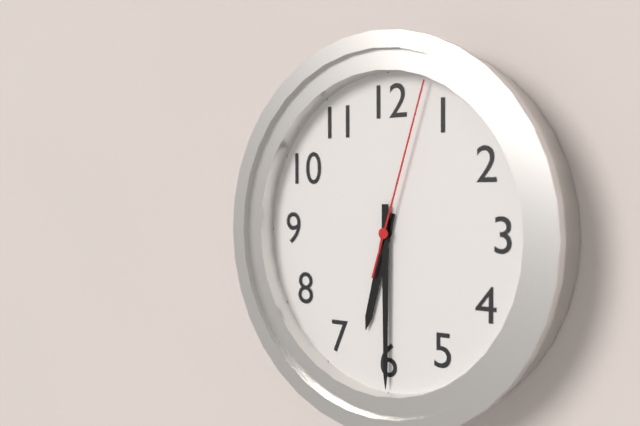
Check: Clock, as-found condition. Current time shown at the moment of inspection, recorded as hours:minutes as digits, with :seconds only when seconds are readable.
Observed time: 6:30:03
